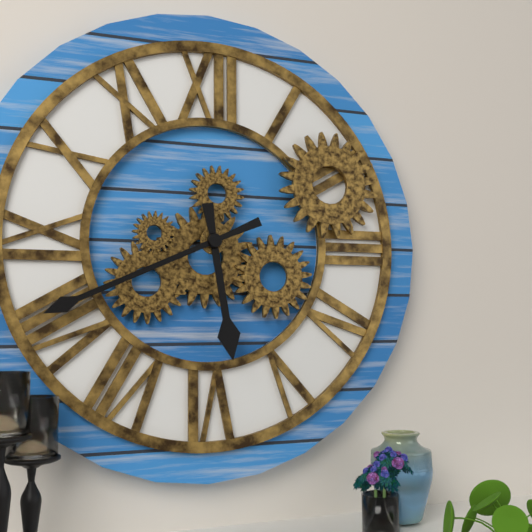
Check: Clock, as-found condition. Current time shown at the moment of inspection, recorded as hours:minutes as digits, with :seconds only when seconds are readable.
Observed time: 5:41
